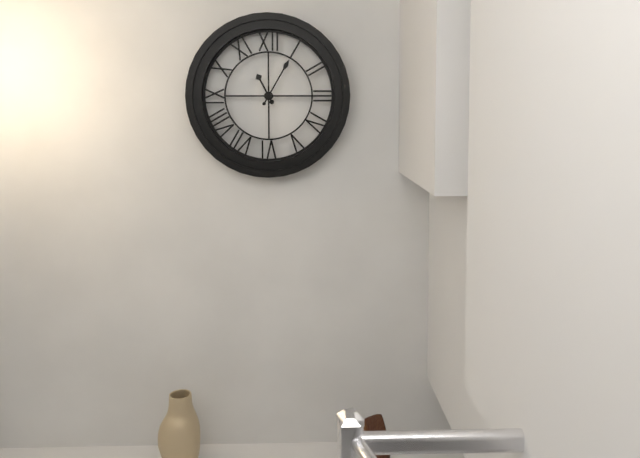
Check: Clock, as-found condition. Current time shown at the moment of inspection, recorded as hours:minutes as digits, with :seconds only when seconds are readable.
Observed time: 11:05
